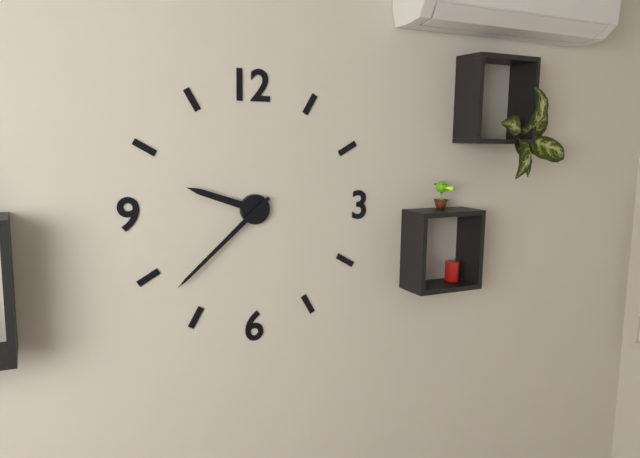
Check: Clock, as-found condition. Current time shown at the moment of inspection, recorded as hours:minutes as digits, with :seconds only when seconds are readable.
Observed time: 9:38
